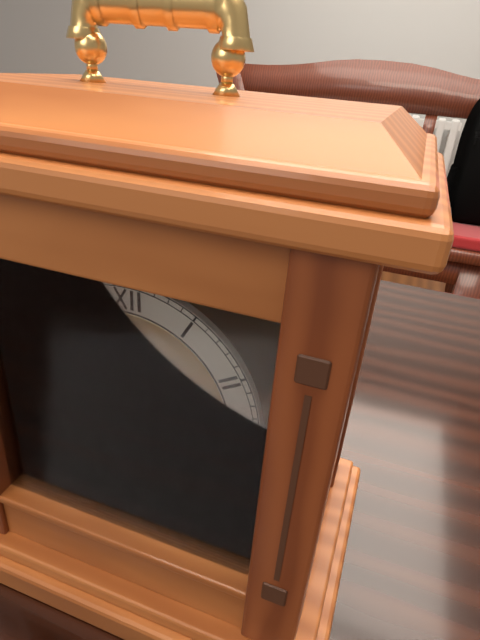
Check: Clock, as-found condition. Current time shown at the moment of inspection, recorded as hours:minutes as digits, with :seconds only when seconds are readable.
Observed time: 2:25
